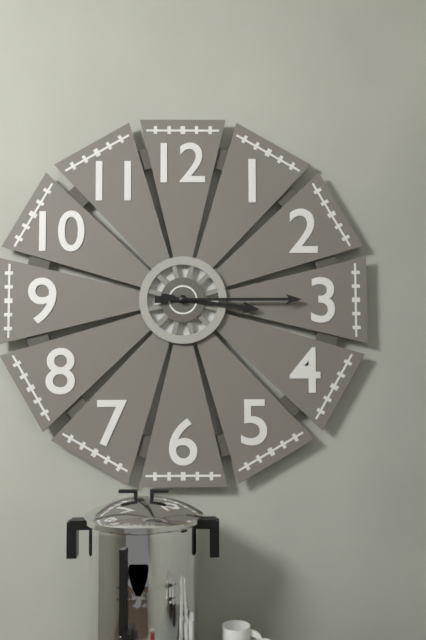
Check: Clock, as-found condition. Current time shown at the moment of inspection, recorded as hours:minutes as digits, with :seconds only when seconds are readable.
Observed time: 3:15
